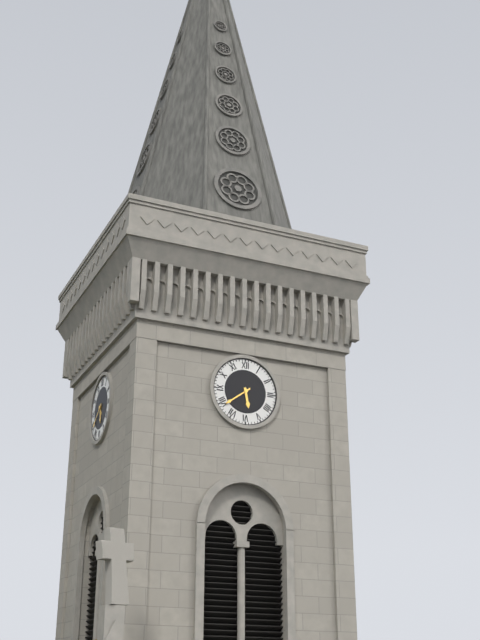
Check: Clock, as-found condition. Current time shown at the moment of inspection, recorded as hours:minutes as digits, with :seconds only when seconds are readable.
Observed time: 5:39
